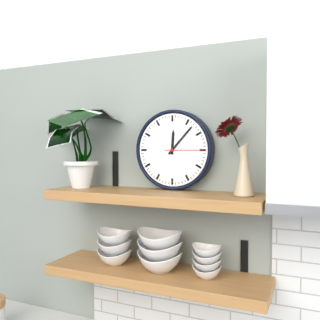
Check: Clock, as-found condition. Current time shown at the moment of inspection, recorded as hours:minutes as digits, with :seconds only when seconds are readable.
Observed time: 12:07
